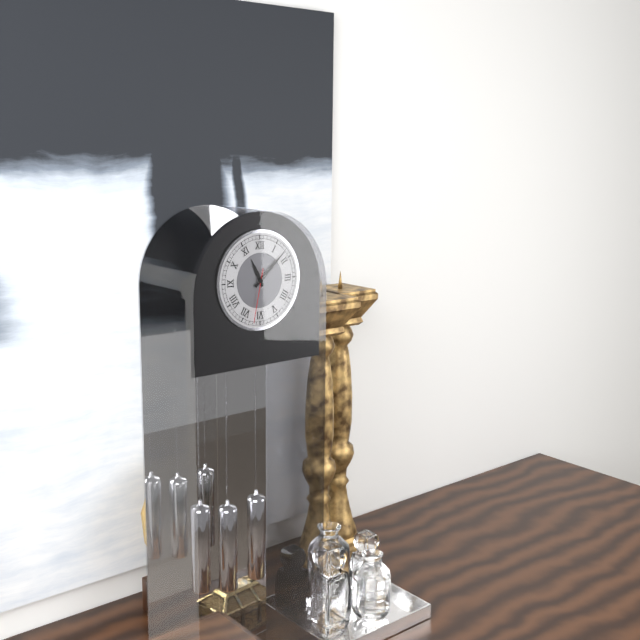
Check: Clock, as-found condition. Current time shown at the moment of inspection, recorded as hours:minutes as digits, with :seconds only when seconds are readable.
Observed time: 11:08:32
